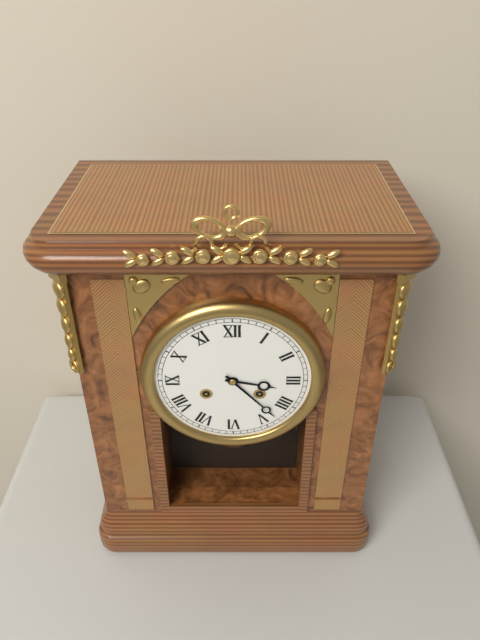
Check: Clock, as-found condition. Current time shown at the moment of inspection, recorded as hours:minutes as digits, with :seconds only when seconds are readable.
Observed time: 3:23
